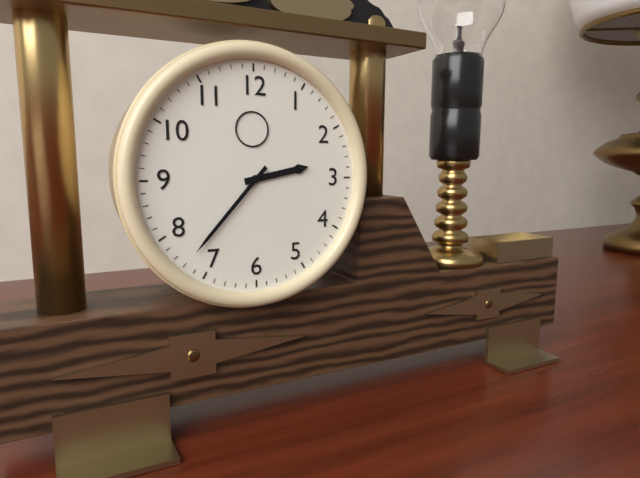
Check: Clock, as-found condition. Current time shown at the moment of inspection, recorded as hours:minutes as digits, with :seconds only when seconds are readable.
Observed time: 2:37
